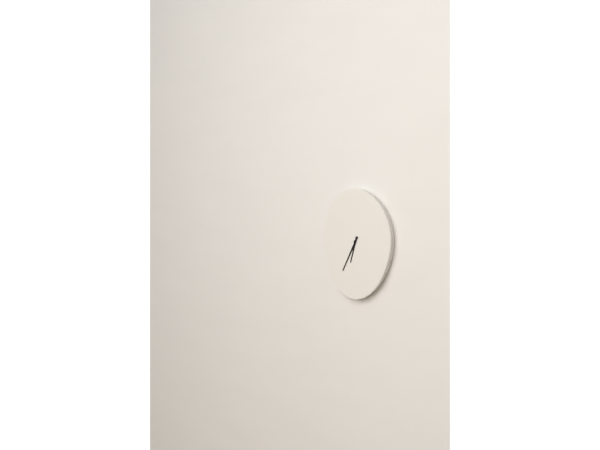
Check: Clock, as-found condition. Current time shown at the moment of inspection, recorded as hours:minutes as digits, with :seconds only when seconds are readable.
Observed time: 6:35
